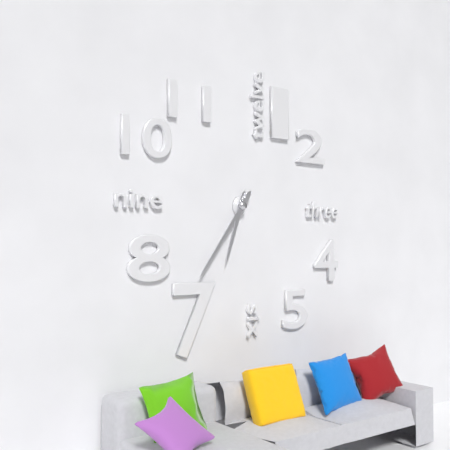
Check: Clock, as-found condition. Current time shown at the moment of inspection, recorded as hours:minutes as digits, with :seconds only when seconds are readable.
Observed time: 6:36
